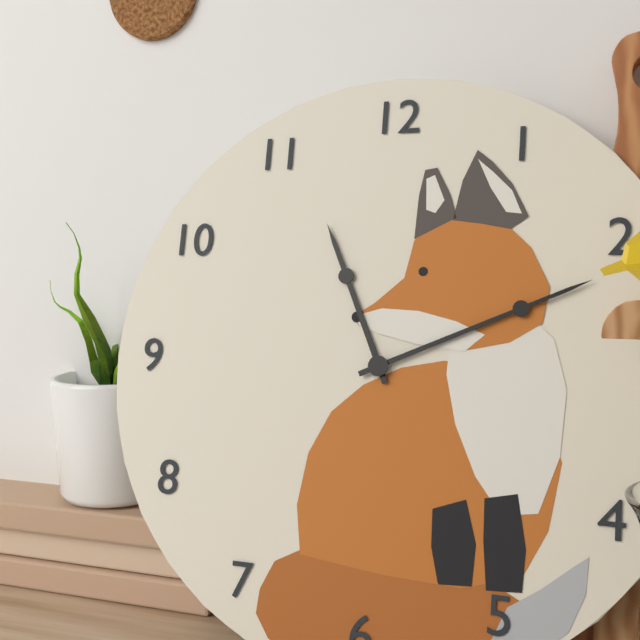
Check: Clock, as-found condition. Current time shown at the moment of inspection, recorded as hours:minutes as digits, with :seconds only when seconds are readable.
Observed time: 11:11
